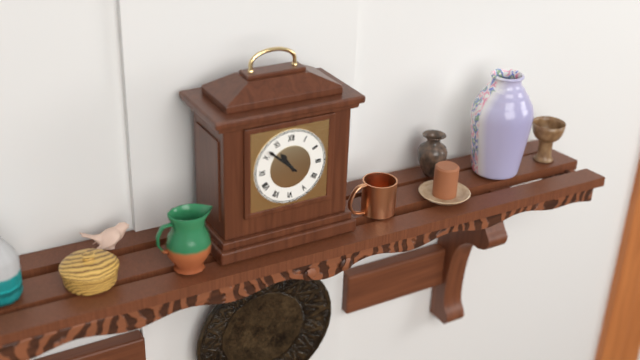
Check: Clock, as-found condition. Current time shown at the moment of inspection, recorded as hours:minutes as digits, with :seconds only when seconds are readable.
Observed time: 10:52
